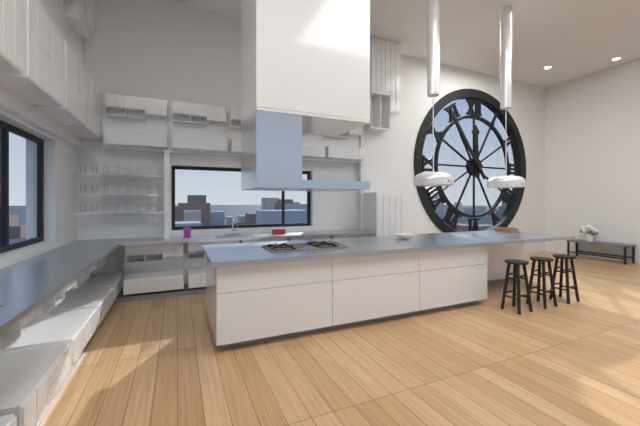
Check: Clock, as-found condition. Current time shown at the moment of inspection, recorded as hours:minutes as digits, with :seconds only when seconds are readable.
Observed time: 11:54
